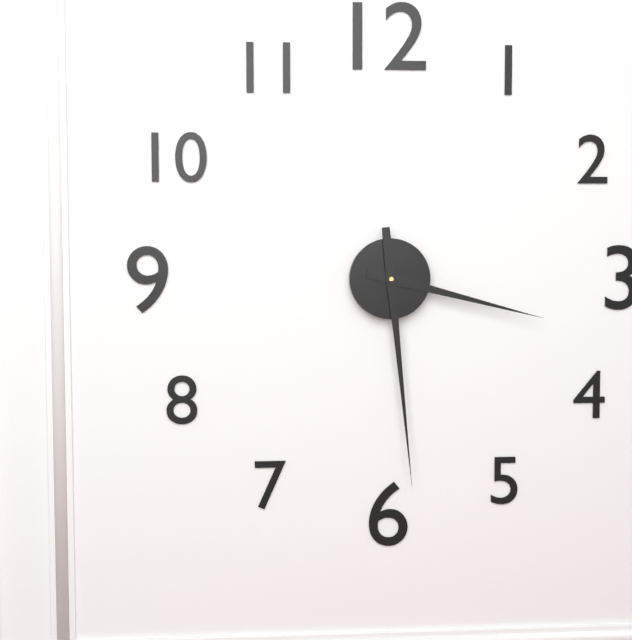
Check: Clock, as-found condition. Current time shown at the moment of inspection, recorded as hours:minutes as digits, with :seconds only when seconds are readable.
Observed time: 3:29
